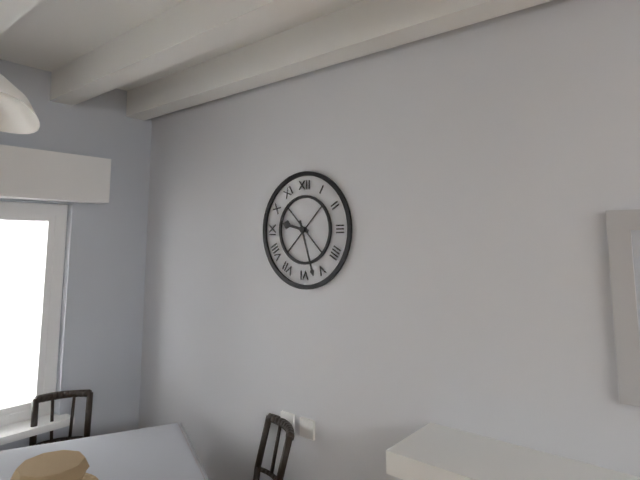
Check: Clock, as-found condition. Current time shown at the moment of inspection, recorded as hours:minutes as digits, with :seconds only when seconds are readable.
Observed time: 9:27
